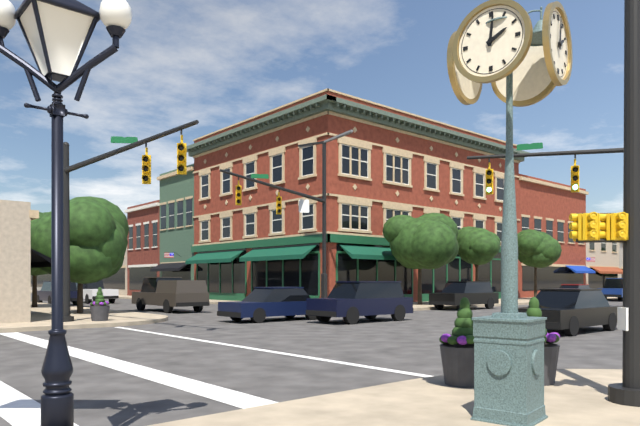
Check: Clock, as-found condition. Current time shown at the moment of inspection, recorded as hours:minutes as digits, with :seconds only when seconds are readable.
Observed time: 2:01
